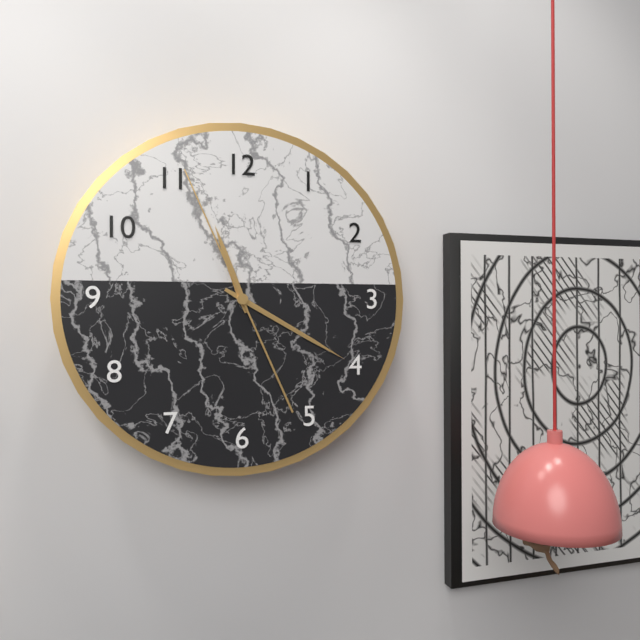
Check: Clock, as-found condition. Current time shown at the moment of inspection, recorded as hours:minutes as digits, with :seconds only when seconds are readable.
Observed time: 11:20:56
